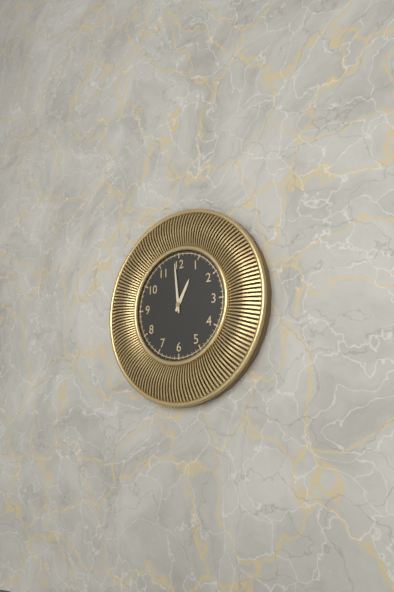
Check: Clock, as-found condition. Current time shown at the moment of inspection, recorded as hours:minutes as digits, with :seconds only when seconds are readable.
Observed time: 12:59
